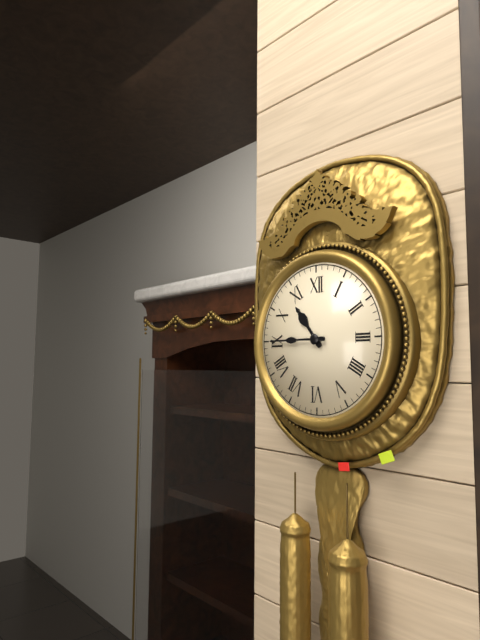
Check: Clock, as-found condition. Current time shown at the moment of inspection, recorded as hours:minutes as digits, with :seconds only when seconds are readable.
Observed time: 10:45
